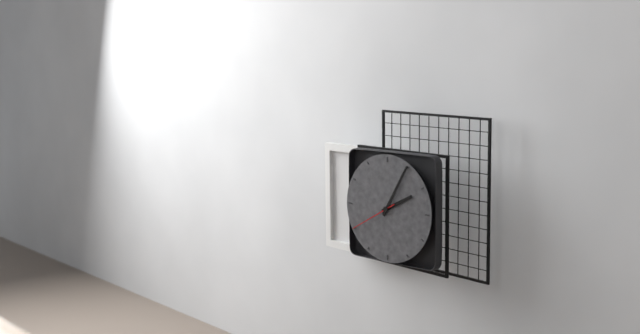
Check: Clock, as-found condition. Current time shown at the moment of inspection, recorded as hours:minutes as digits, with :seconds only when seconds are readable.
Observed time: 2:05:40
